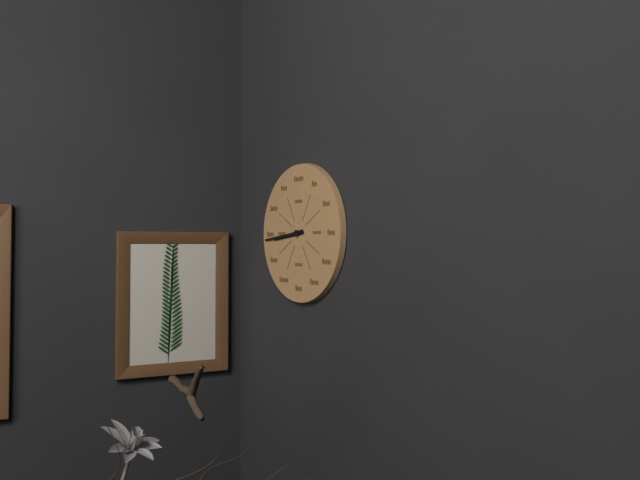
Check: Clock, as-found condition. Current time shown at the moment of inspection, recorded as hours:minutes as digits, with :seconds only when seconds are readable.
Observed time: 8:44
